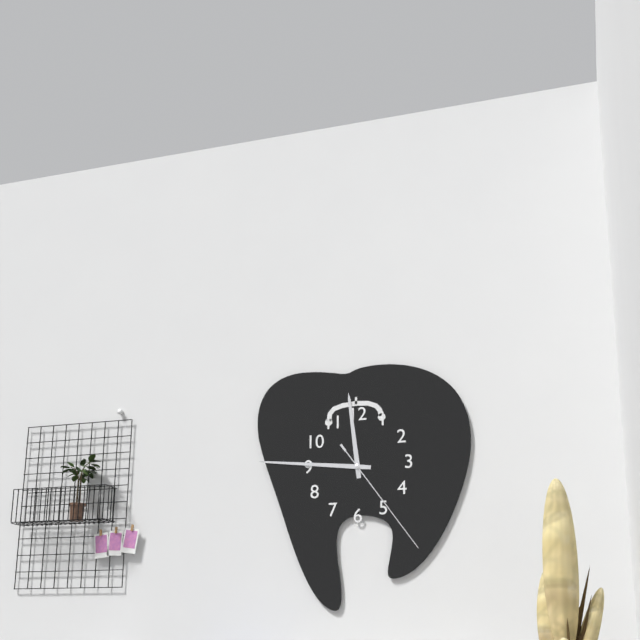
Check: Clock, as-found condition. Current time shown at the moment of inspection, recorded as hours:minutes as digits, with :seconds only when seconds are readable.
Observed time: 11:46:24
